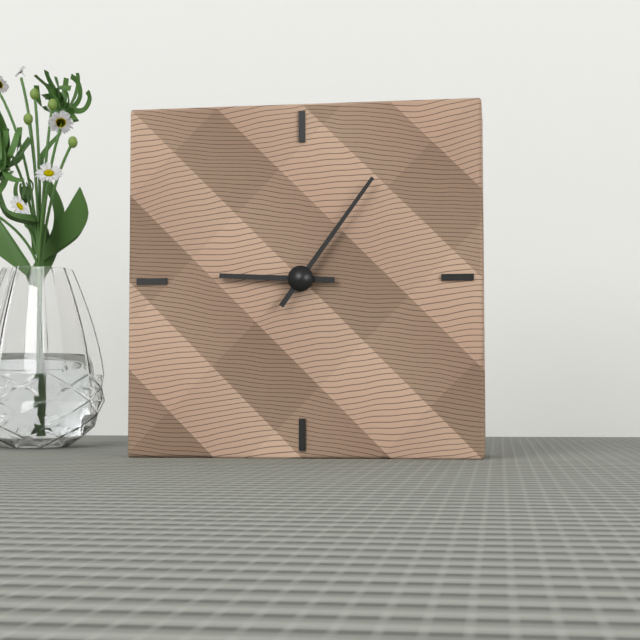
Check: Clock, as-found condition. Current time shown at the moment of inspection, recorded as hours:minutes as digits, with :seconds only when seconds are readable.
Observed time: 9:06
